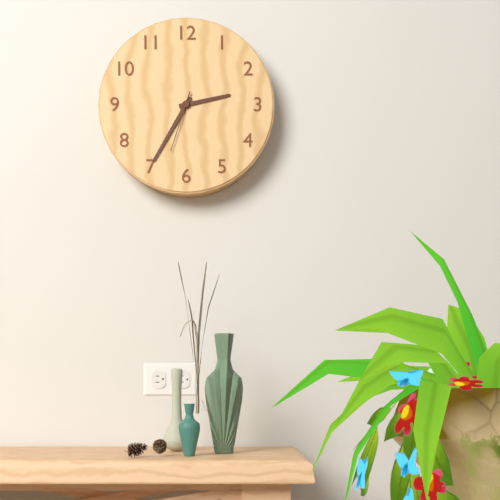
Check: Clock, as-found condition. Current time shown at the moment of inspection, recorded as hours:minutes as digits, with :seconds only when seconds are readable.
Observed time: 2:35:33
